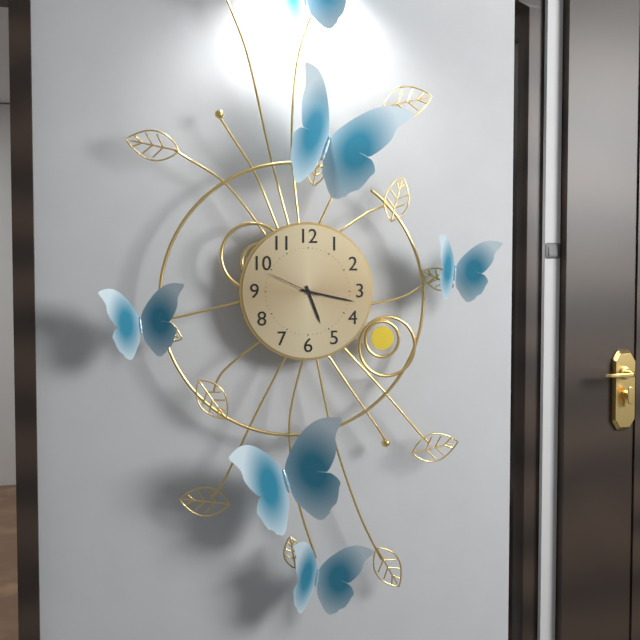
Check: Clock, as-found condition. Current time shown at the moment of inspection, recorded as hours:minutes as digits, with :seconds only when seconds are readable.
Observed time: 5:17:49
